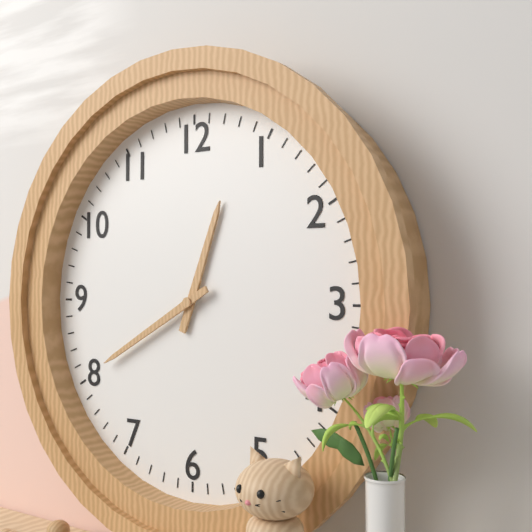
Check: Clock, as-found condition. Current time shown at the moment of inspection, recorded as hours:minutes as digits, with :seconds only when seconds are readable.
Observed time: 12:40
